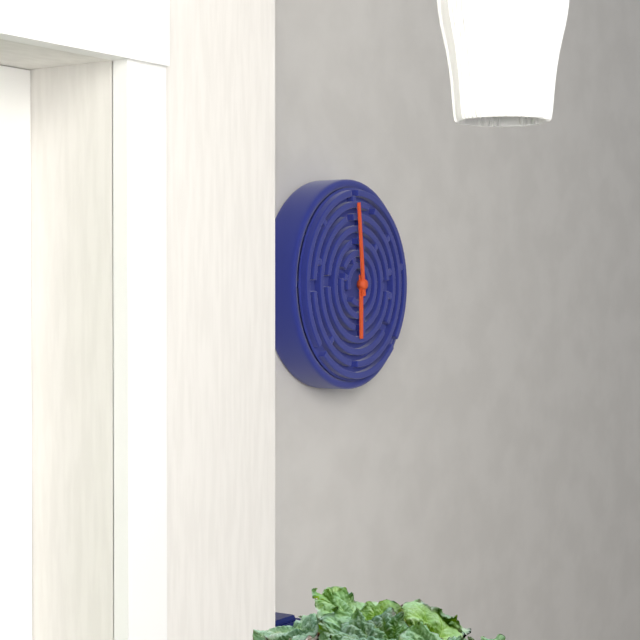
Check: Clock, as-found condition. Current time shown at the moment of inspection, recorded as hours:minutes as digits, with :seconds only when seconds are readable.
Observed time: 5:59
